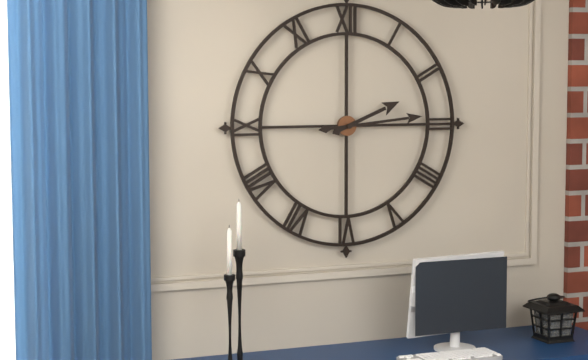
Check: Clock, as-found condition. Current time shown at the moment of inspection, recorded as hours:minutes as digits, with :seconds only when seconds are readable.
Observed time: 2:14
